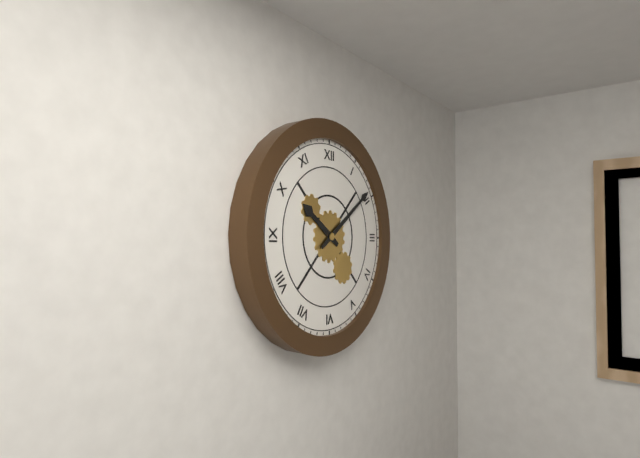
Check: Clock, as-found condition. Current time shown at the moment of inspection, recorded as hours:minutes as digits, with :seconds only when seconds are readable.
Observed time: 10:09
